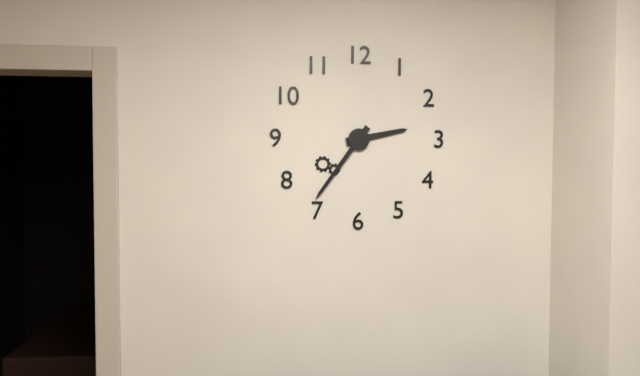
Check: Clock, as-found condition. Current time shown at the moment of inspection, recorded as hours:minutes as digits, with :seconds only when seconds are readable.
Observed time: 2:36
